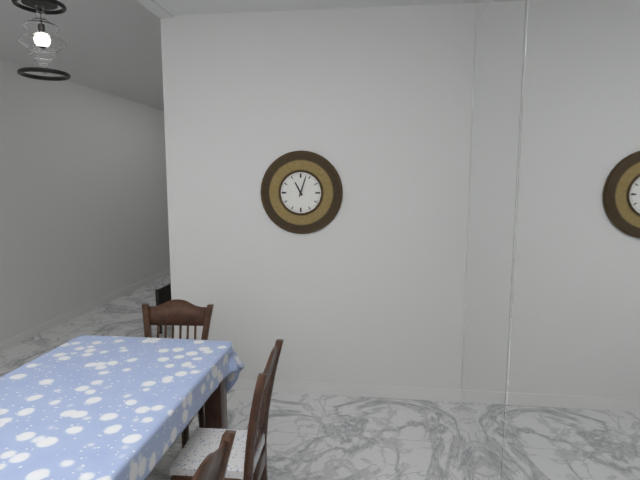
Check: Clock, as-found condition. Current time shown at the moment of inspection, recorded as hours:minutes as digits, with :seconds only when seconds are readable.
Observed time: 11:03
